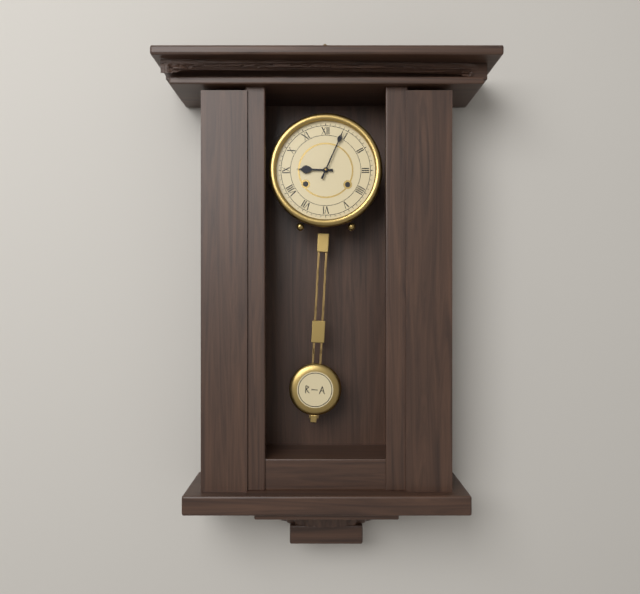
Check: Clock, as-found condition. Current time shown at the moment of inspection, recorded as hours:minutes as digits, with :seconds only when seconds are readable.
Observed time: 9:04
